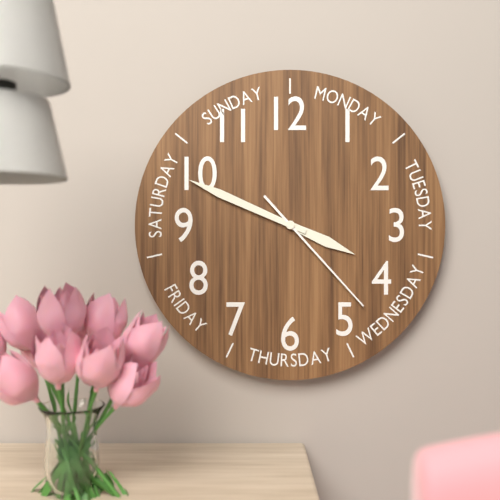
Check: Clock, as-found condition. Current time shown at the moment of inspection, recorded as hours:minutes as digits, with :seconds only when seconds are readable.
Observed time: 3:49:23
